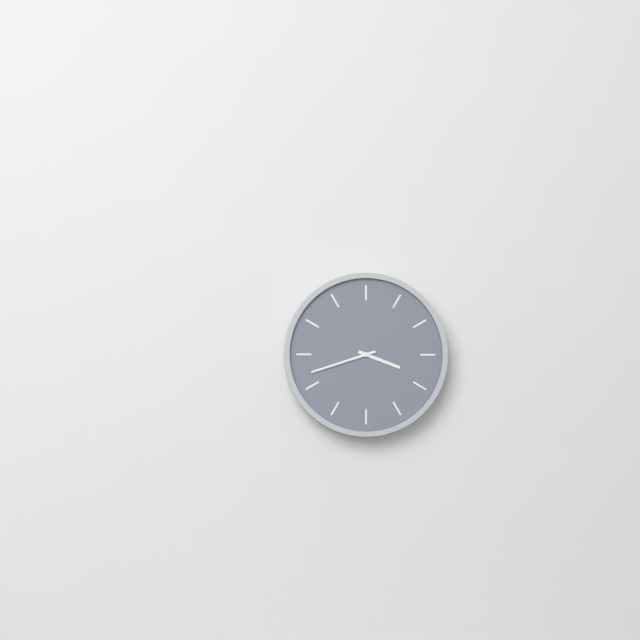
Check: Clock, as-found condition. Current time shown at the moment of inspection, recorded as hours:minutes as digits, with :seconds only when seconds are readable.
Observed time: 3:42
